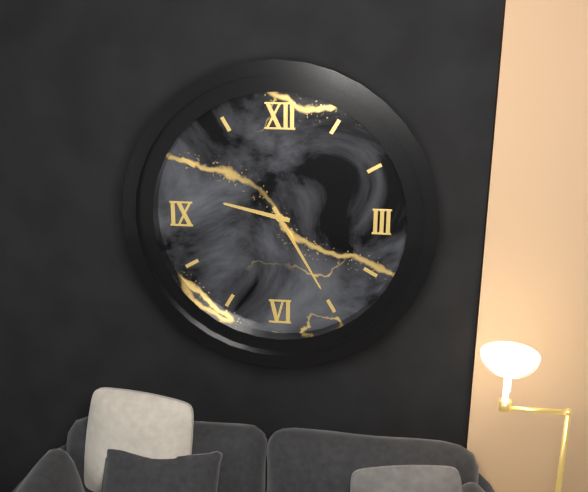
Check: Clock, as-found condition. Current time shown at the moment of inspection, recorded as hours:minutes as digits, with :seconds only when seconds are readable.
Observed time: 9:25
